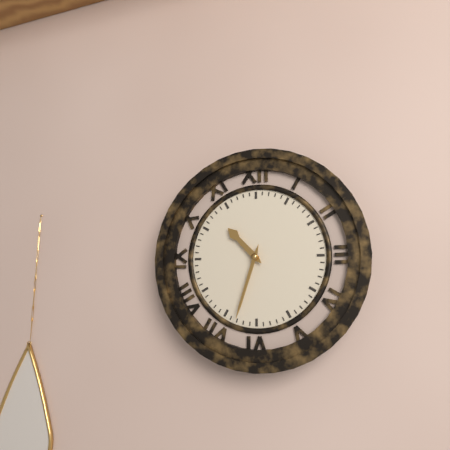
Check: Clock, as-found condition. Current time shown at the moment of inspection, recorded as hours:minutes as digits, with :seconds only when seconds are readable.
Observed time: 10:33
